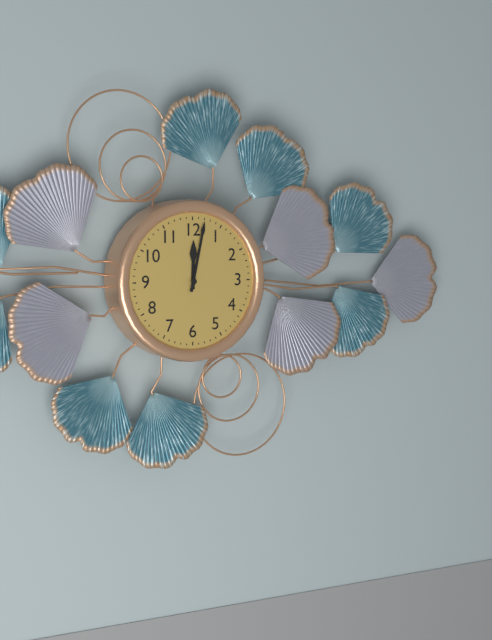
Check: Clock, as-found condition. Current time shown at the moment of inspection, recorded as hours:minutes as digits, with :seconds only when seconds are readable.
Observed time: 12:02
